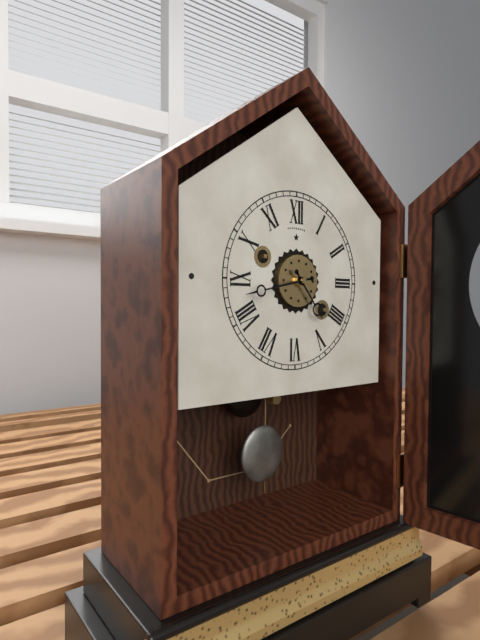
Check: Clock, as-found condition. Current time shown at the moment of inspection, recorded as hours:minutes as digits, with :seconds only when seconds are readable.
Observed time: 4:43
